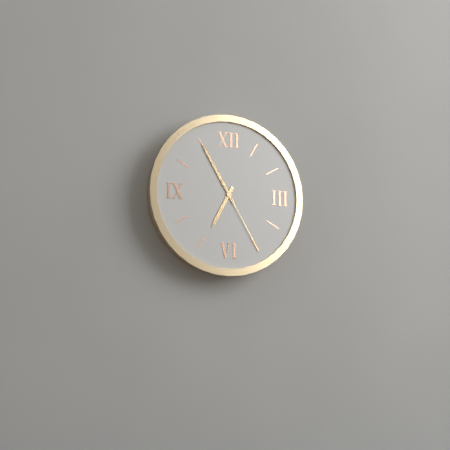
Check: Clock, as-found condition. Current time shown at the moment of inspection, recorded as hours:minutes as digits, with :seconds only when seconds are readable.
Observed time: 6:55:25
